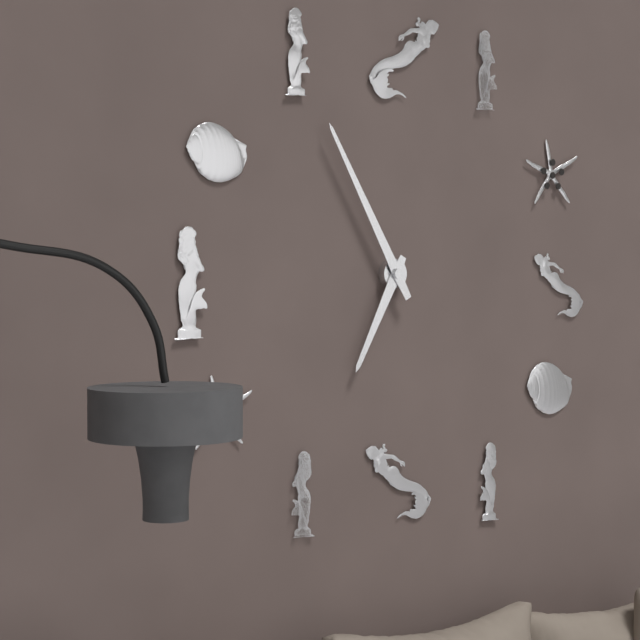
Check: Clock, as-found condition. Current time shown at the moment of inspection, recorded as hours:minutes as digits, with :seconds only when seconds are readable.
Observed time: 6:55
